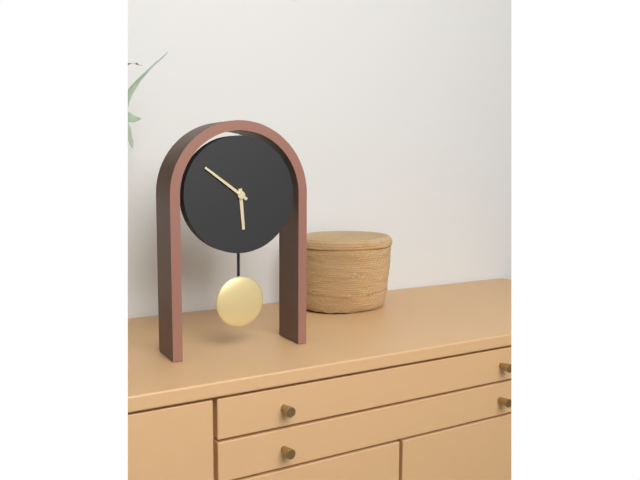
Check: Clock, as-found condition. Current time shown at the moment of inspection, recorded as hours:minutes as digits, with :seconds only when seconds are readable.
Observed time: 5:51
